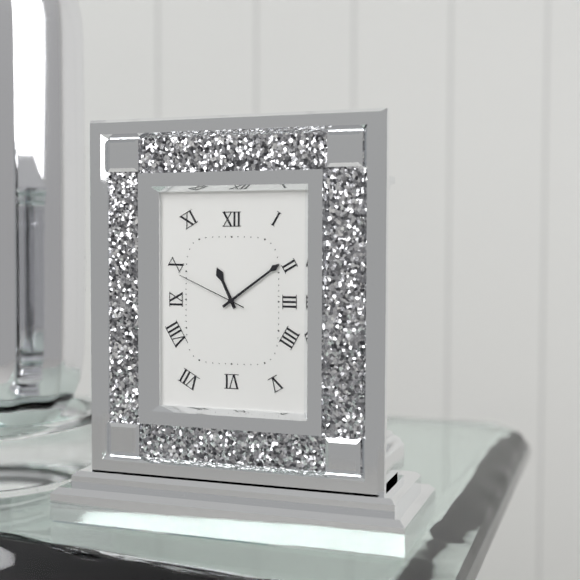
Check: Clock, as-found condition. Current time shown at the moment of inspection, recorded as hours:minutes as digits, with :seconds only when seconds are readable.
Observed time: 11:09:49
